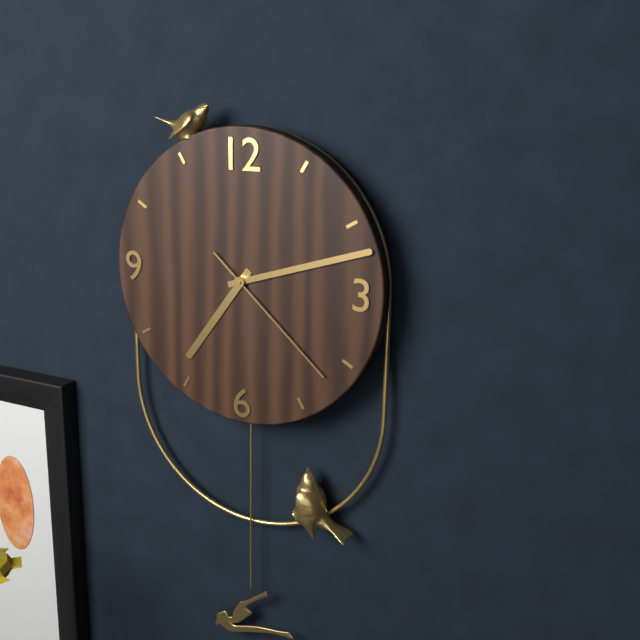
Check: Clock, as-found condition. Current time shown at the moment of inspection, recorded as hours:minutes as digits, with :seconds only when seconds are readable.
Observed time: 7:12:22
